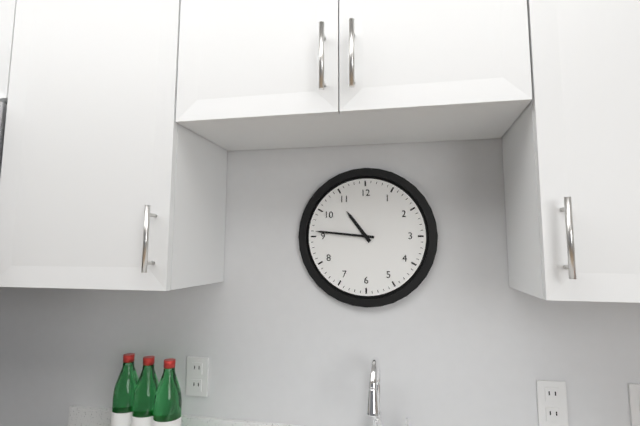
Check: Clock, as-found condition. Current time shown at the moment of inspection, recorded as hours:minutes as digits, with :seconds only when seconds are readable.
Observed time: 10:46
